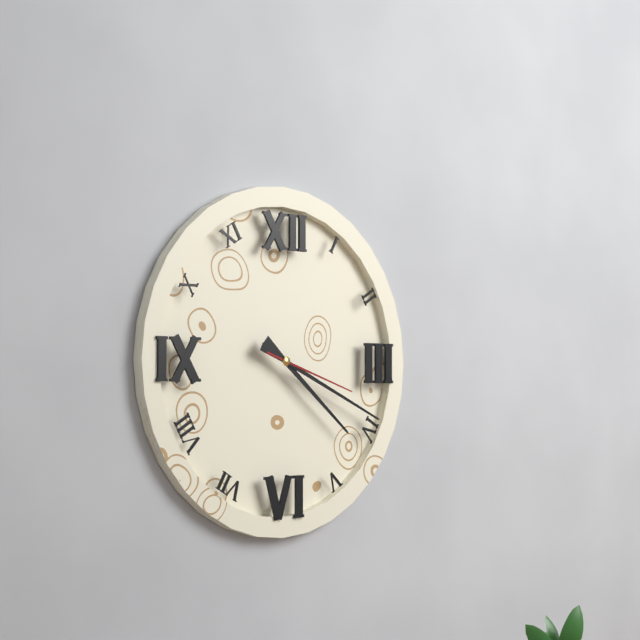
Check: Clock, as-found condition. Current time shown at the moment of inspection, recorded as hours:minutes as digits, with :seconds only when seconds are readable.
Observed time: 4:19:18
